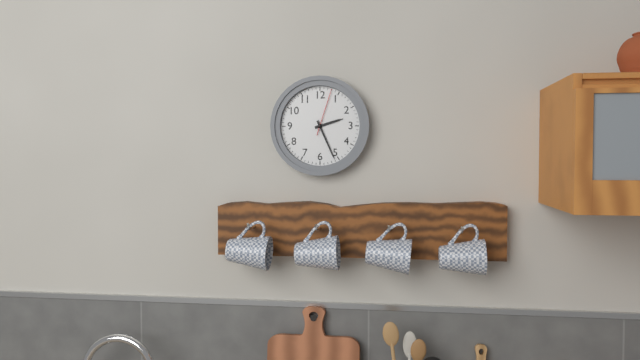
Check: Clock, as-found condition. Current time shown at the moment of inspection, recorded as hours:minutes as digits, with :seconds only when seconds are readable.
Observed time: 2:26
